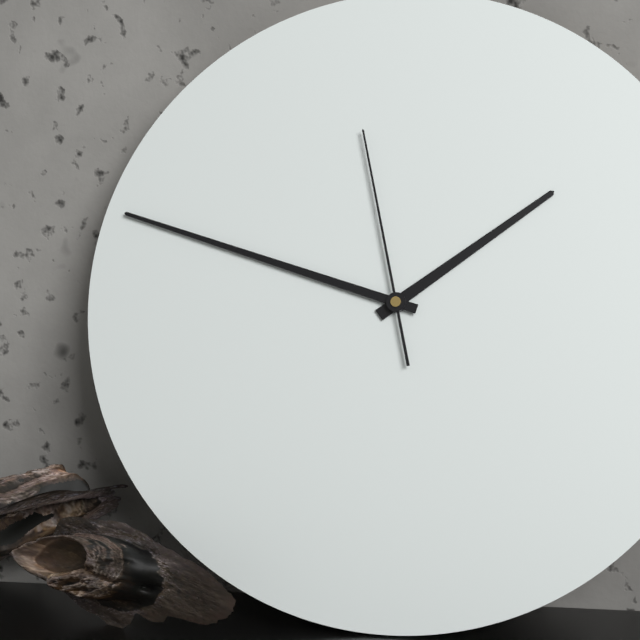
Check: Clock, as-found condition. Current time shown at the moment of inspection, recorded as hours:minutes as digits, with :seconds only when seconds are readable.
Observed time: 1:48:58
